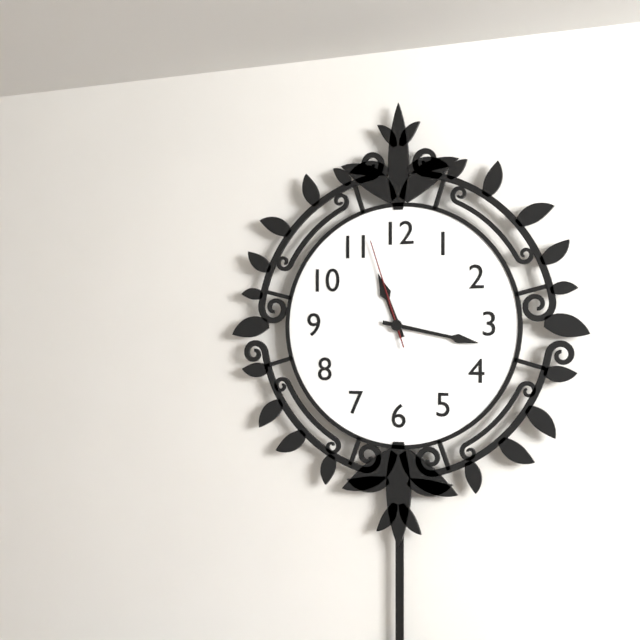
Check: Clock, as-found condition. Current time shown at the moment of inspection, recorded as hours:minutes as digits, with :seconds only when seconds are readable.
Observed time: 11:17:57
